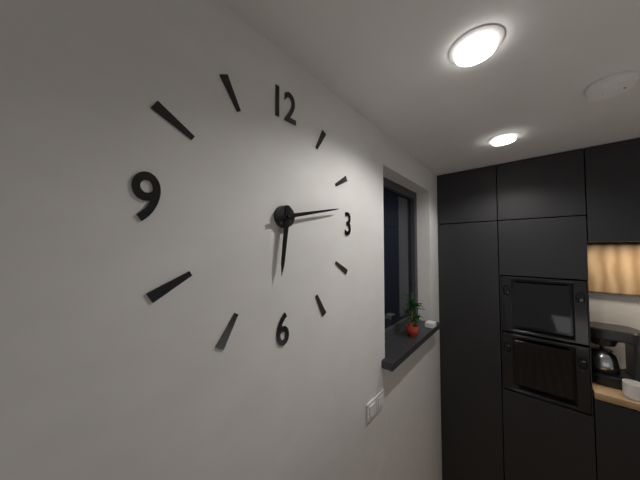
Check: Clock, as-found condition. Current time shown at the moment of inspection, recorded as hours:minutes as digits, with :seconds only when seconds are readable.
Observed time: 6:13
